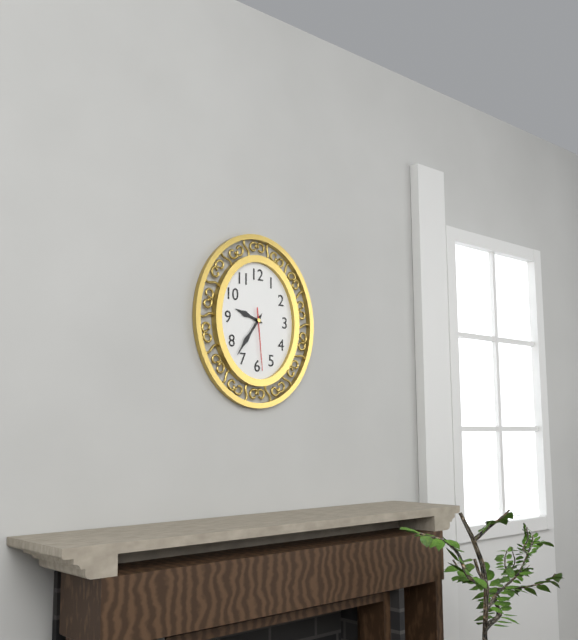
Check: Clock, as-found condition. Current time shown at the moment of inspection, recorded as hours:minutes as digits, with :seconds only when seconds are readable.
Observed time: 9:36:29
